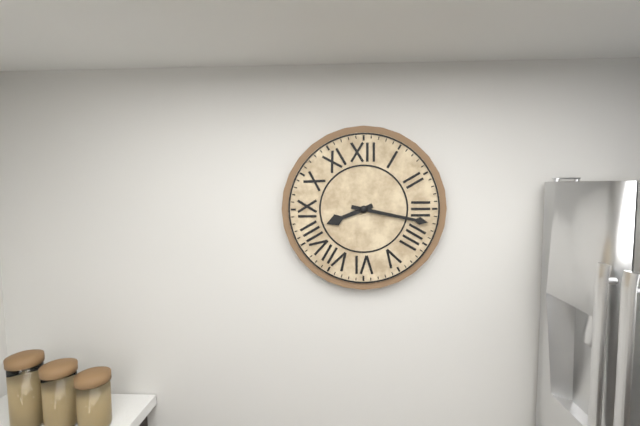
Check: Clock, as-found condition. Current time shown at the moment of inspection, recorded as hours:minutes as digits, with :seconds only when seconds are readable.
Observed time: 8:17
